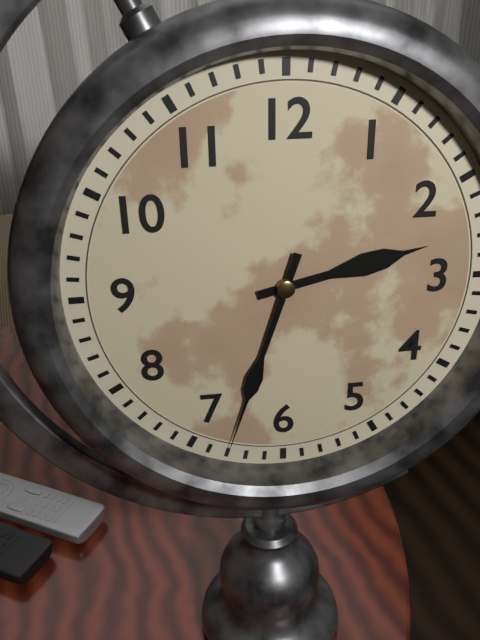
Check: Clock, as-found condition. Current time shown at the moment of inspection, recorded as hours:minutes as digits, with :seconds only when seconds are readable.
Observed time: 2:33
